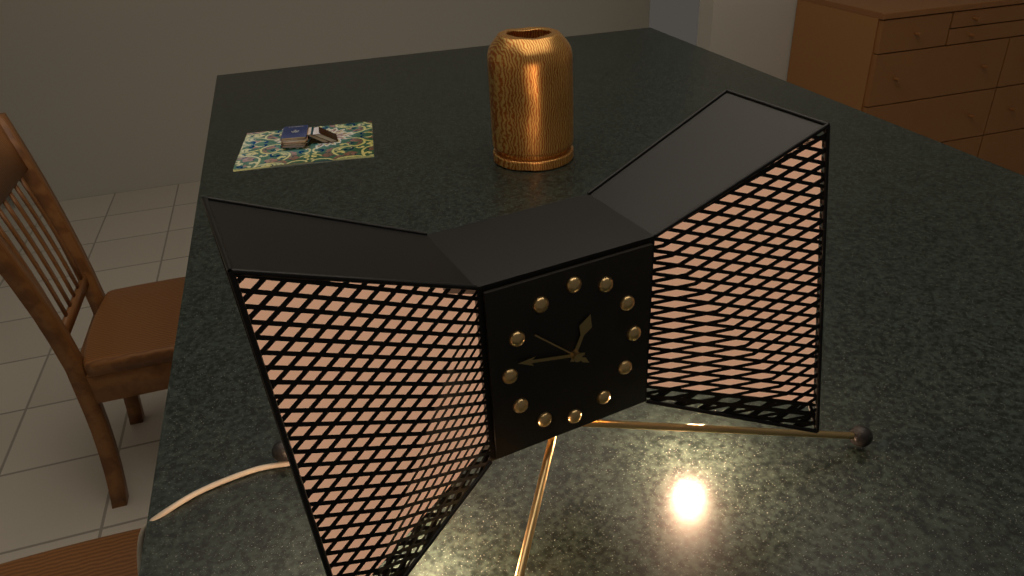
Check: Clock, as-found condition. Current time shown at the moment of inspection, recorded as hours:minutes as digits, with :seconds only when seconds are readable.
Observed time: 12:47:52
